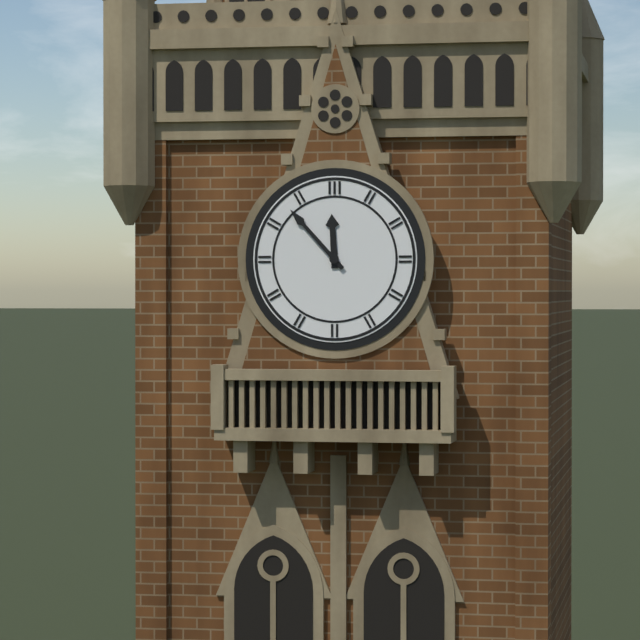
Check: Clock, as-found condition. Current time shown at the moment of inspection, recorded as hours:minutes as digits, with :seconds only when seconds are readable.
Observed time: 11:53
